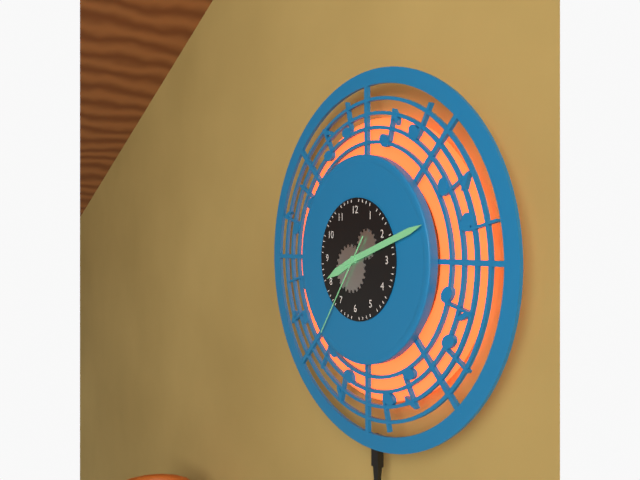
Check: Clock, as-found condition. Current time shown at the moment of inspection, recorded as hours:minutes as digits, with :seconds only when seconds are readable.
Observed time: 8:12:36
